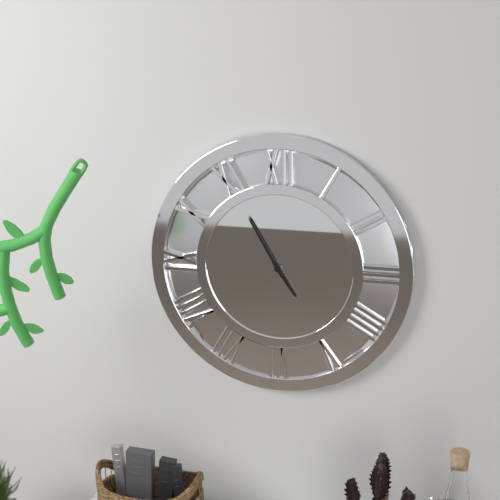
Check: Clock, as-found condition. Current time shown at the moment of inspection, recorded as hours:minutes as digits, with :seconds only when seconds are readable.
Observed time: 4:55
